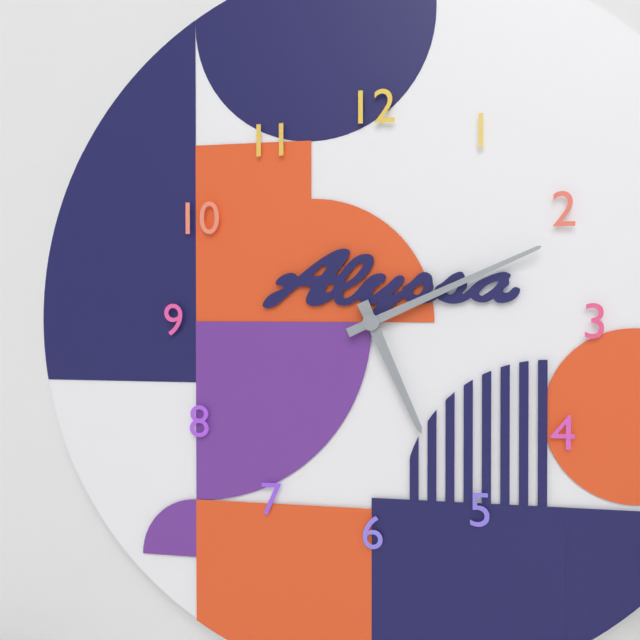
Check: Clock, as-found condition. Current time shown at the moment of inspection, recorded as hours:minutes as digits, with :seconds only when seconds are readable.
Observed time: 5:11
